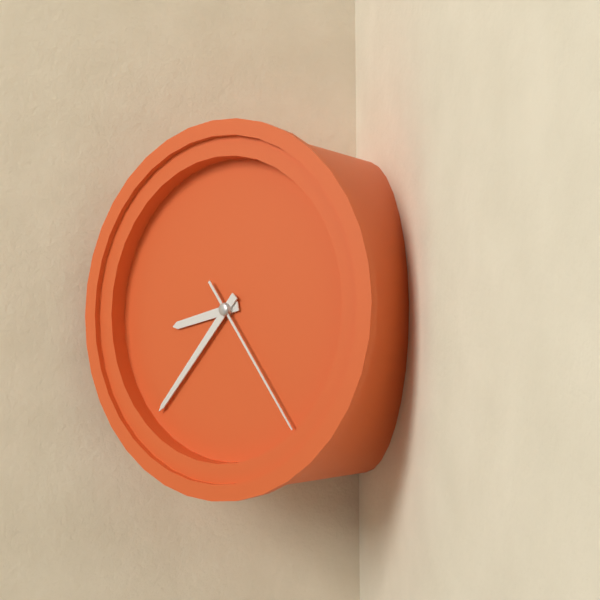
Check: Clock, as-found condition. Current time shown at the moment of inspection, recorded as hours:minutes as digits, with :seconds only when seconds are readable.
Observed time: 8:37:24
